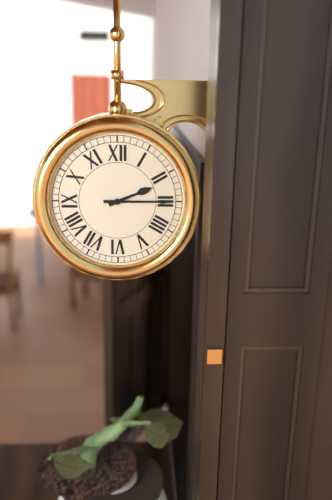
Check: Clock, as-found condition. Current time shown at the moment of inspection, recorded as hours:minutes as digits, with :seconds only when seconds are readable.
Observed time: 2:15
